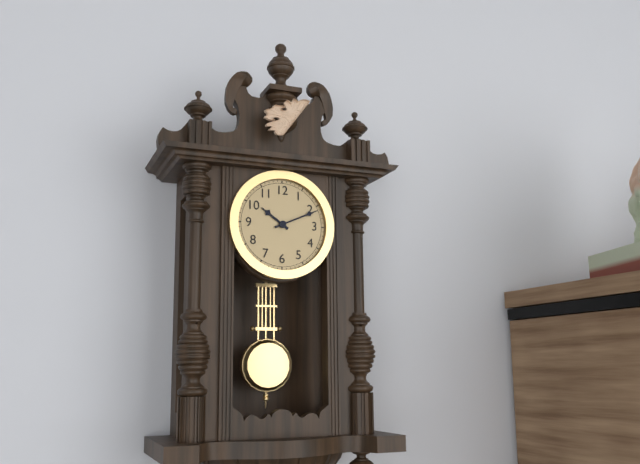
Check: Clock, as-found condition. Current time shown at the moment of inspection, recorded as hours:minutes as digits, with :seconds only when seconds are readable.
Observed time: 10:11
